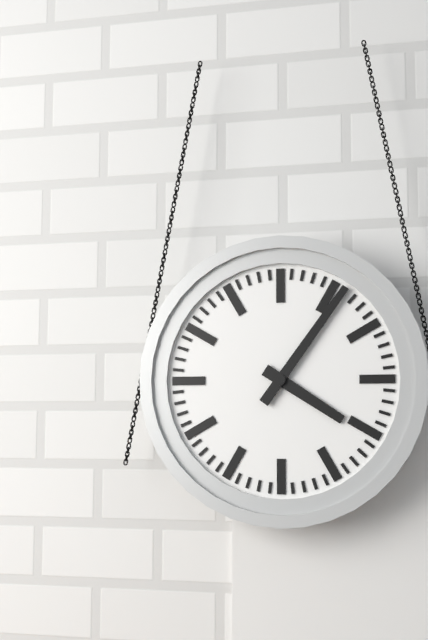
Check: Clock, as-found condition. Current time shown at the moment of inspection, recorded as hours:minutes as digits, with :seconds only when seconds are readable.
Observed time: 4:06
